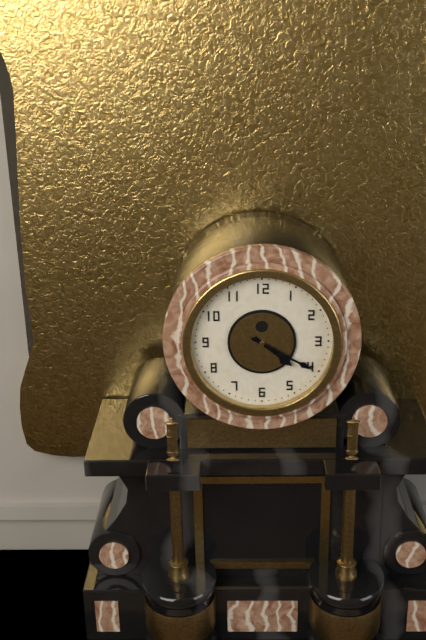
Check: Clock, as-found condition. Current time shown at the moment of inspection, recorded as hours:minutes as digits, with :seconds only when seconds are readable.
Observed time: 4:20
